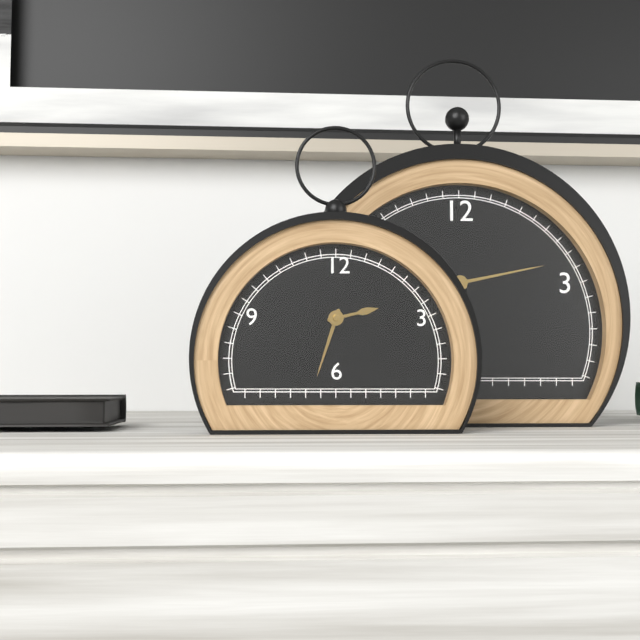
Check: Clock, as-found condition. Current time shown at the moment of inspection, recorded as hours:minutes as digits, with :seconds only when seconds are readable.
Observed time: 2:33
